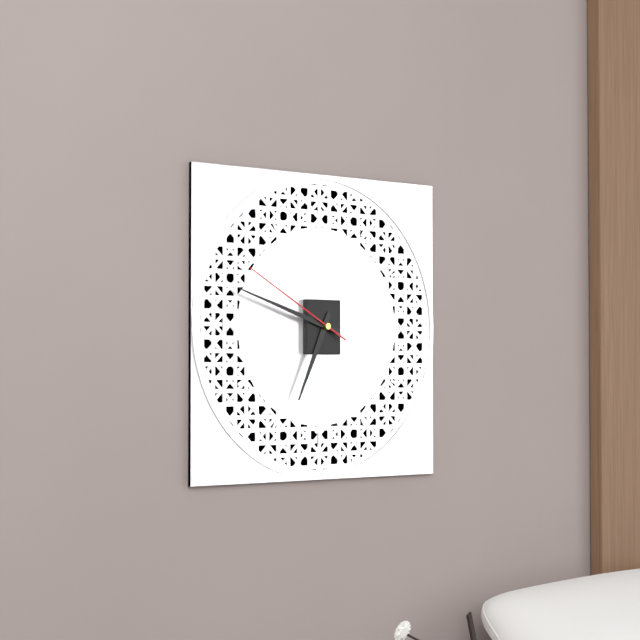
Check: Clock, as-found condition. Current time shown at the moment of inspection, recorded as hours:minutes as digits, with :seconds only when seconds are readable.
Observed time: 6:48:50
